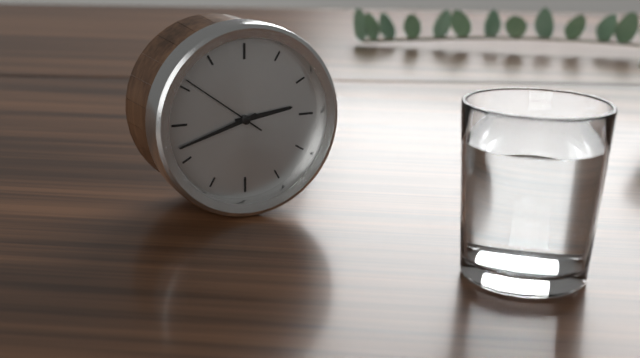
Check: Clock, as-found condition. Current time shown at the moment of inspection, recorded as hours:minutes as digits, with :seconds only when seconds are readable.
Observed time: 2:42:51
